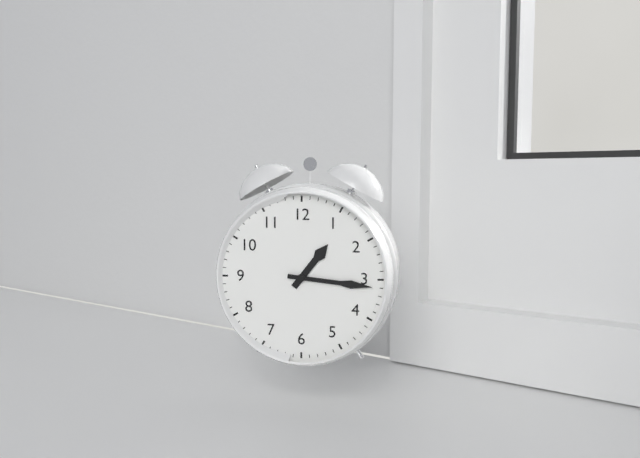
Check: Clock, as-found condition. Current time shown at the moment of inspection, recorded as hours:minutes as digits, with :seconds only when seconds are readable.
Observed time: 1:16
